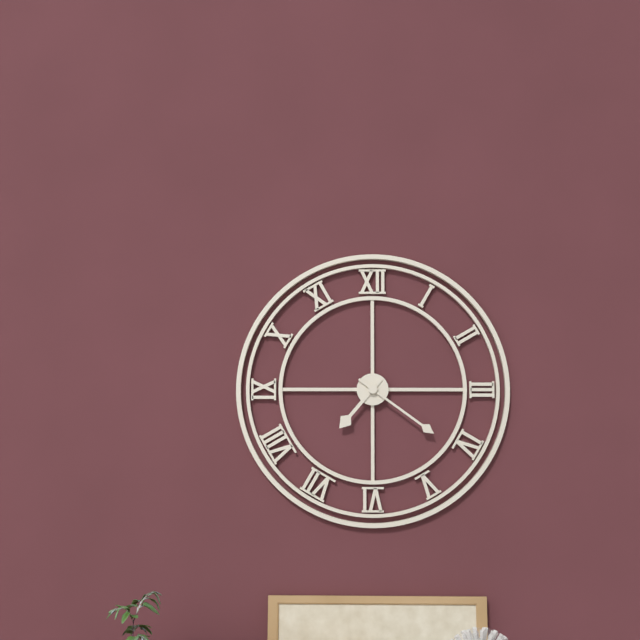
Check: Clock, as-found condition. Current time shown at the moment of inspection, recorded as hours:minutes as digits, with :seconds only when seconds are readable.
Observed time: 7:21
